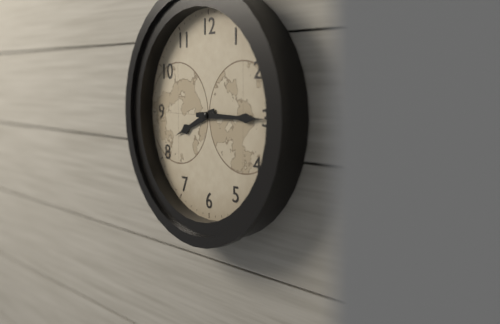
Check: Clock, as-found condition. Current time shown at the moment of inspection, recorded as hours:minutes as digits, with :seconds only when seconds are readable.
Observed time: 8:15
